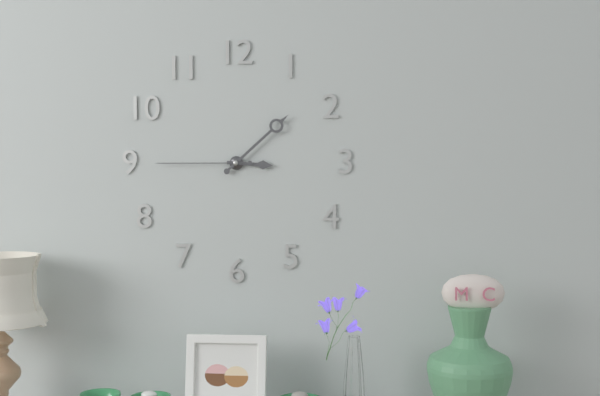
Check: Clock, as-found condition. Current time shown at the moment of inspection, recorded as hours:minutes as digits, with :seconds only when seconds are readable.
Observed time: 3:08:45
